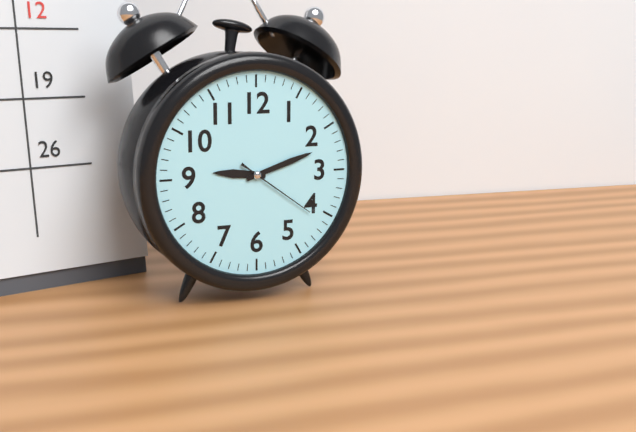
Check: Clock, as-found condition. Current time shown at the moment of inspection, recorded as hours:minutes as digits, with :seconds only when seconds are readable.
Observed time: 9:12:21
